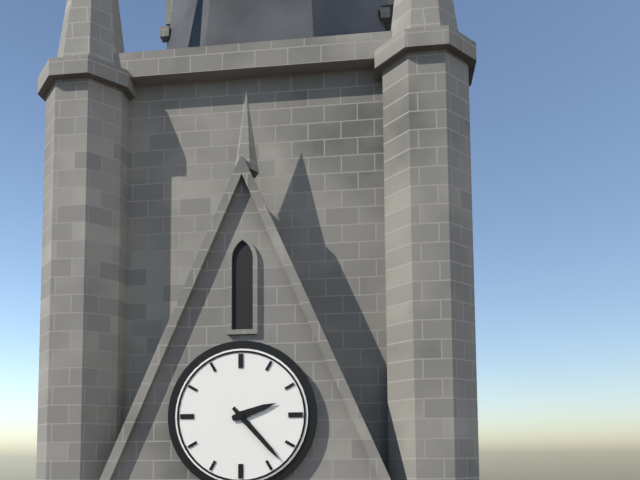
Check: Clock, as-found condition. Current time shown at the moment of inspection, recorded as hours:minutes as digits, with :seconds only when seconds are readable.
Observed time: 2:23
